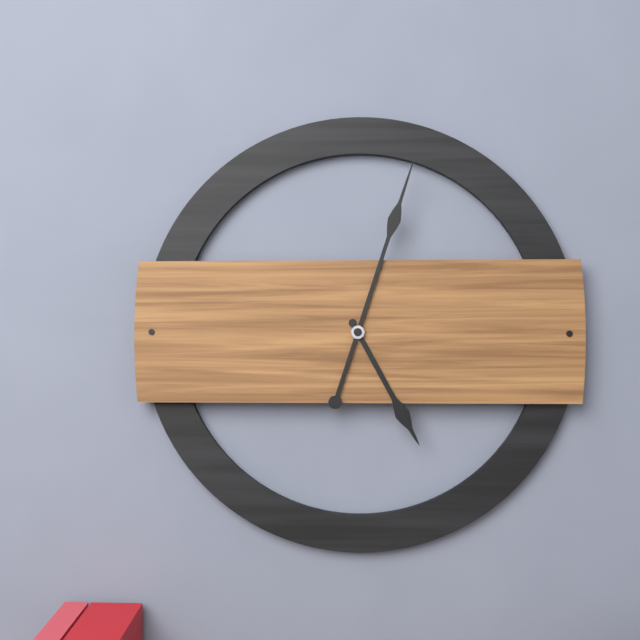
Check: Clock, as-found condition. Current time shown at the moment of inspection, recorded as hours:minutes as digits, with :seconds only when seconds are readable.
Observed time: 5:03
